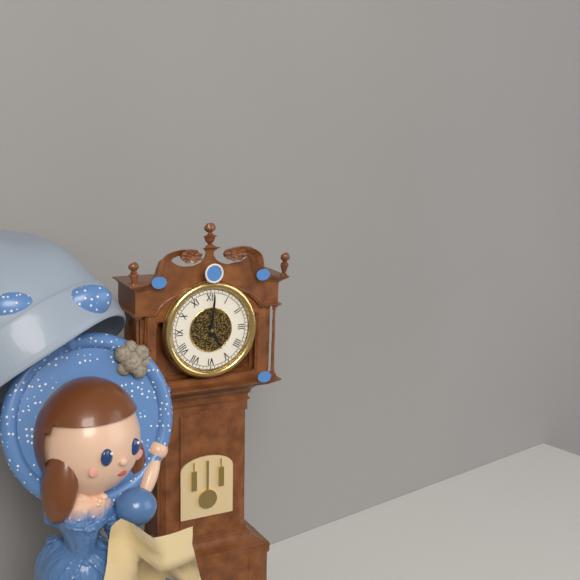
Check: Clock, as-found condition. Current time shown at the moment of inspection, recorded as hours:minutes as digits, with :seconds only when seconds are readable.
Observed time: 5:01
